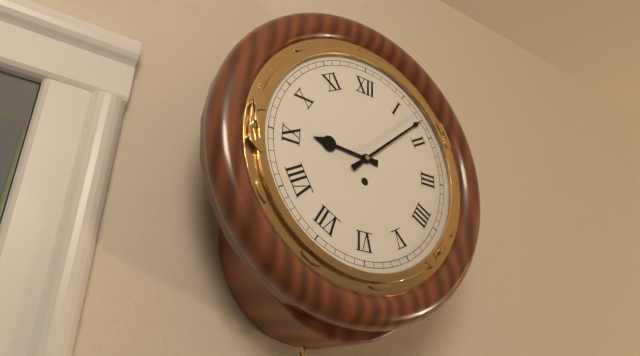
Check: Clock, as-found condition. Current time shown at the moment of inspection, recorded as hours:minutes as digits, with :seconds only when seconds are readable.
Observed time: 9:08
